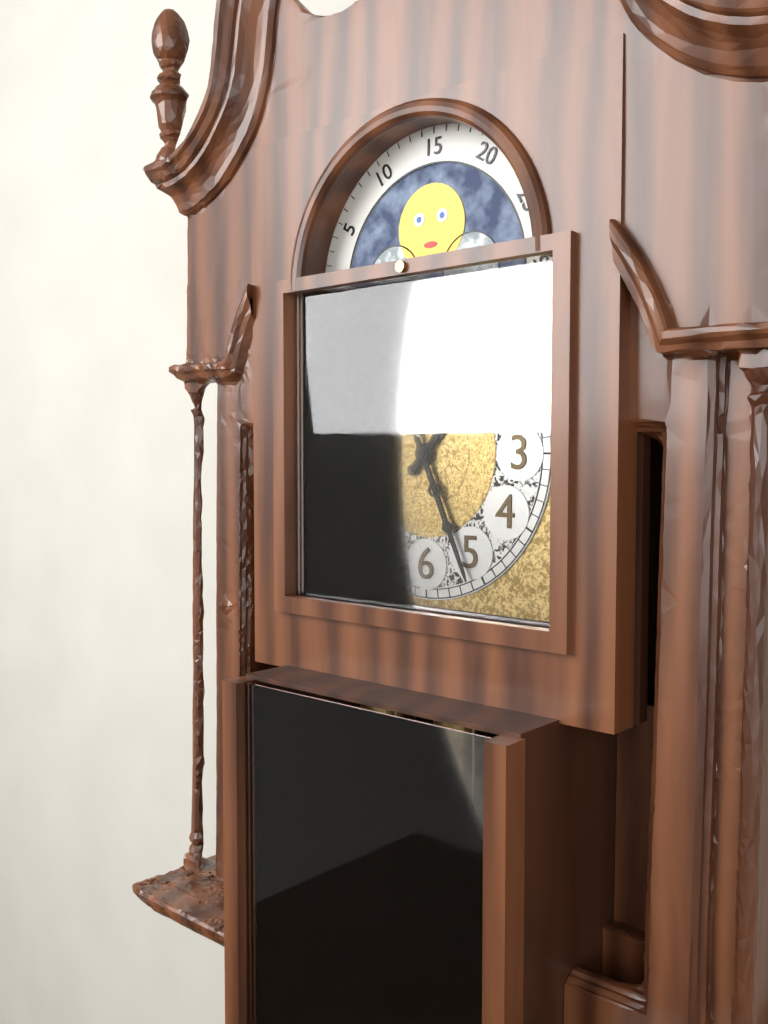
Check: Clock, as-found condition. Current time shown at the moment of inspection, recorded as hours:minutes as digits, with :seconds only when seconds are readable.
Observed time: 1:26
